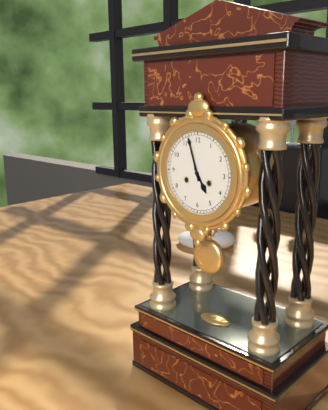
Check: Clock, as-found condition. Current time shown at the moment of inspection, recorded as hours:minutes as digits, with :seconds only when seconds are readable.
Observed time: 4:57
